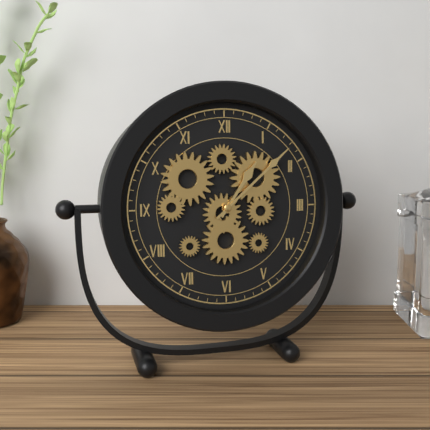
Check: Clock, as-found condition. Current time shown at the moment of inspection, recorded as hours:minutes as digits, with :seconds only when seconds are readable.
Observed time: 1:08
